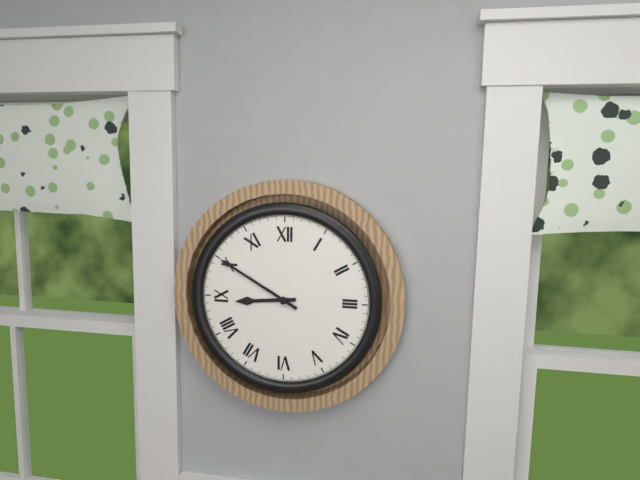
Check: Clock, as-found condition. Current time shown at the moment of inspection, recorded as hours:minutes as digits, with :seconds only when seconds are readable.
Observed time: 8:50
